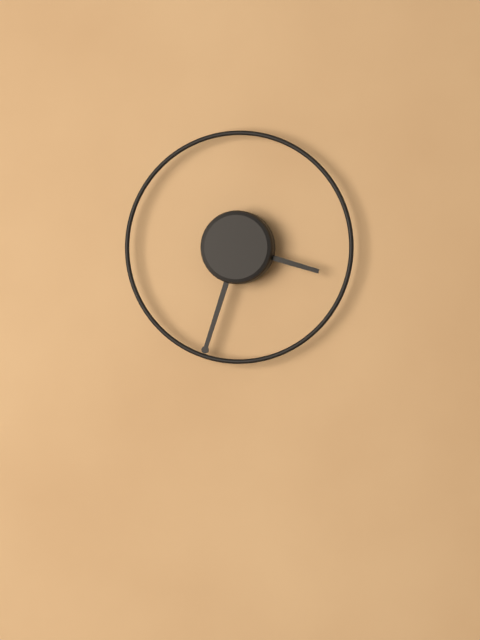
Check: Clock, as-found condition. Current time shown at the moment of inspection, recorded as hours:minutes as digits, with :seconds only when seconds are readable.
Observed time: 3:33
